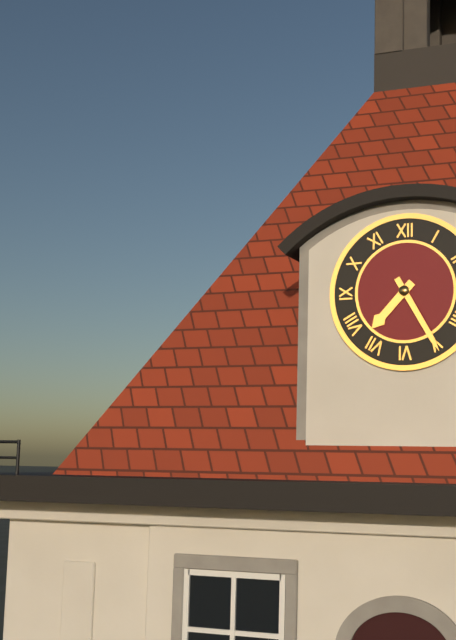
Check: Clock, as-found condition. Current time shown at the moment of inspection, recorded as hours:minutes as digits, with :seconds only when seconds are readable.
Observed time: 7:25
